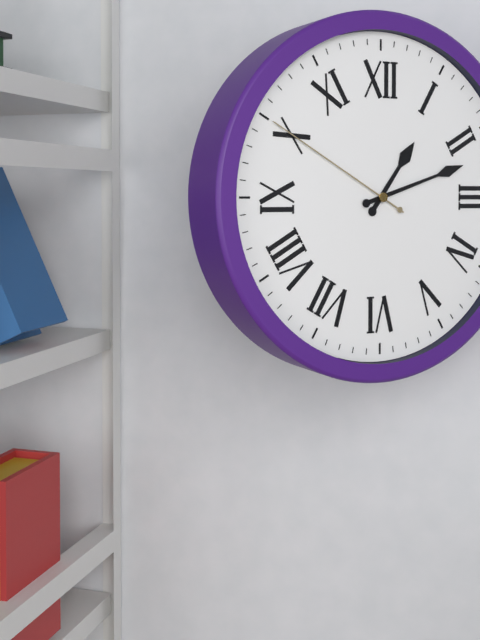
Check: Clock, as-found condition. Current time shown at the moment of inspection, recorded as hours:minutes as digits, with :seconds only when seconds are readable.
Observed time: 1:12:50
